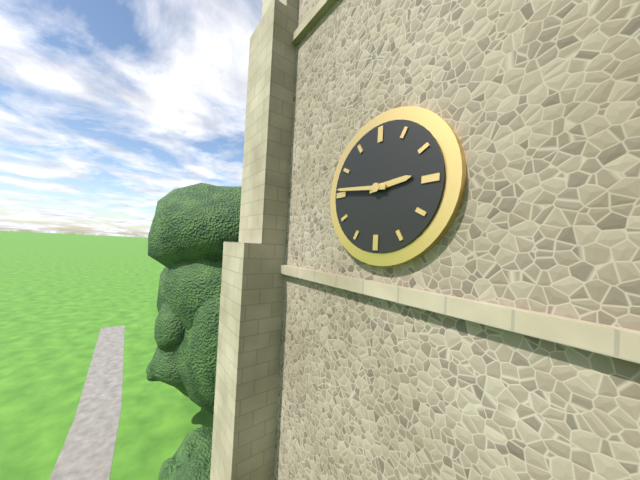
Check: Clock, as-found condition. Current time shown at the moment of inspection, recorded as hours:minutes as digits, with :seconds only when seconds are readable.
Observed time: 2:46
